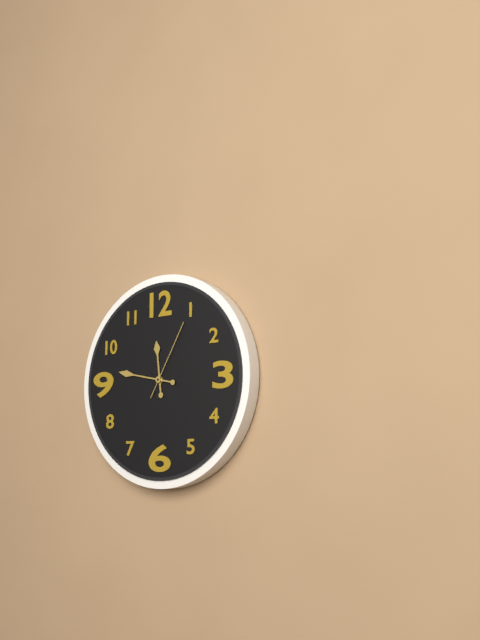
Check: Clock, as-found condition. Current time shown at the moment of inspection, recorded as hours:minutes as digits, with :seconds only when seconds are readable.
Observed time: 11:47:05
